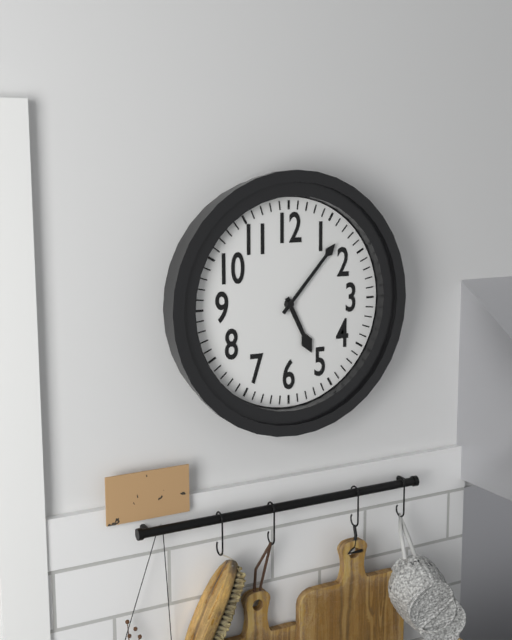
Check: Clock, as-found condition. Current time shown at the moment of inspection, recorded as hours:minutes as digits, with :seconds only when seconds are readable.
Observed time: 5:07
